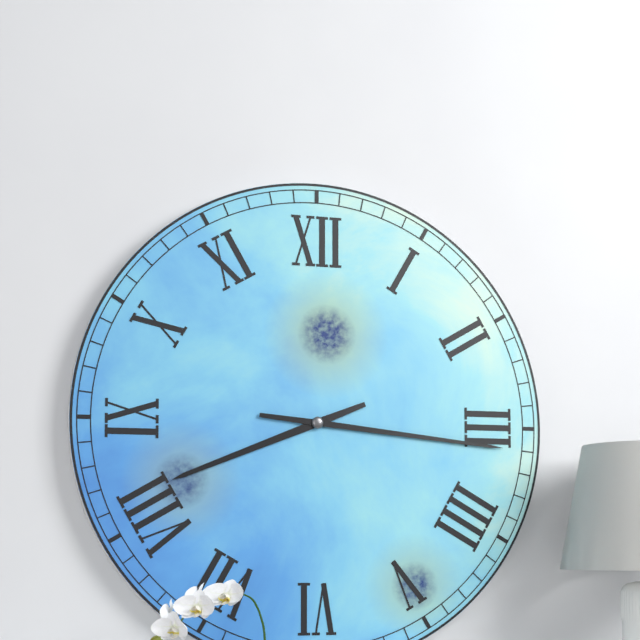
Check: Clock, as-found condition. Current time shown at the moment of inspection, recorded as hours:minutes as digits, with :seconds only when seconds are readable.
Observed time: 8:16
